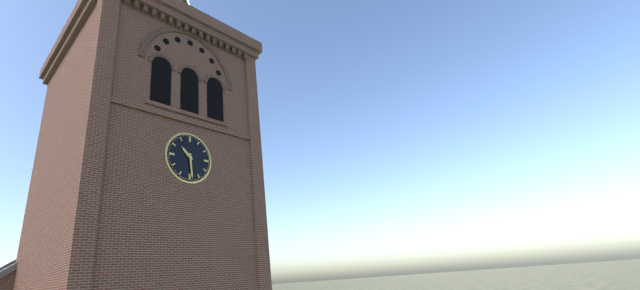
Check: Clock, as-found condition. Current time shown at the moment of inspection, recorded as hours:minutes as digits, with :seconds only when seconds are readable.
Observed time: 10:29
